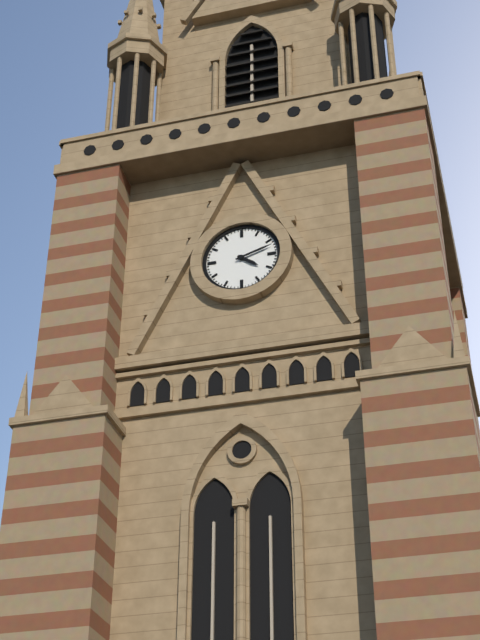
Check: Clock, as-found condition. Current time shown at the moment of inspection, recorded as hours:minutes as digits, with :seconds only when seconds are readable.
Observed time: 4:12
